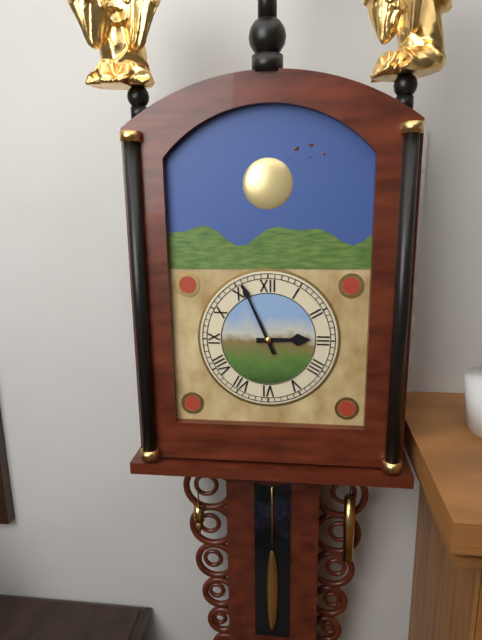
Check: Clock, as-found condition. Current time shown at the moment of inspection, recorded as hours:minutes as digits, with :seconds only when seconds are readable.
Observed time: 2:56
